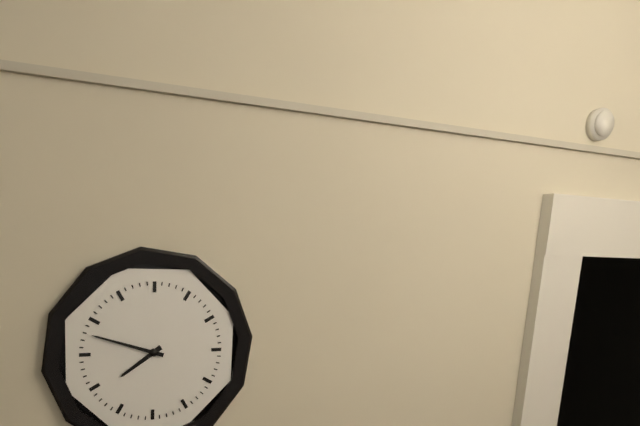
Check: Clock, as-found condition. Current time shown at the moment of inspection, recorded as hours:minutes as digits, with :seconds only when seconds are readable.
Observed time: 7:48
